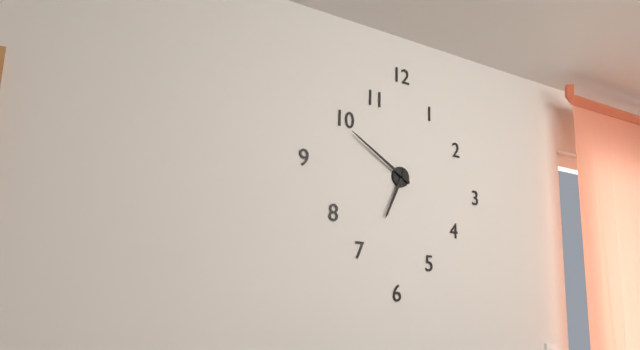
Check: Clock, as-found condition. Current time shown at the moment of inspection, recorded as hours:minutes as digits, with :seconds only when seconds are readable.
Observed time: 6:50
